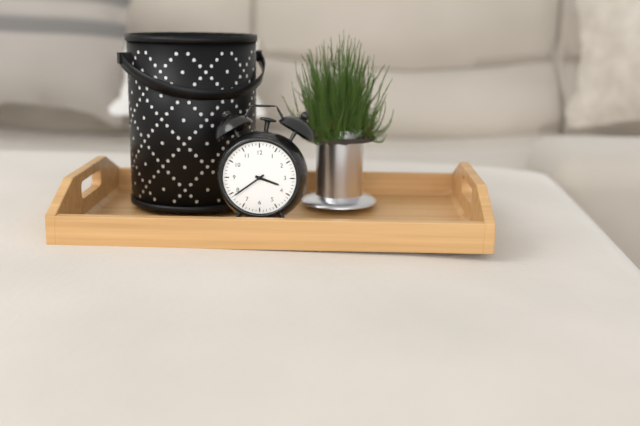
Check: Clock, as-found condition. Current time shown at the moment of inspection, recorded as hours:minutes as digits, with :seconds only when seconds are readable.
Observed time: 3:39
